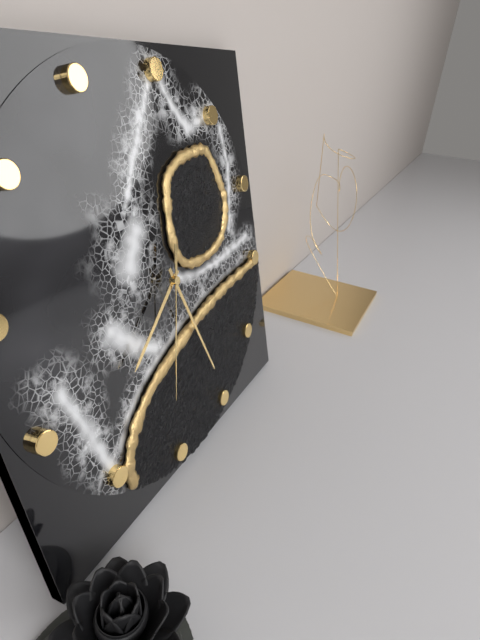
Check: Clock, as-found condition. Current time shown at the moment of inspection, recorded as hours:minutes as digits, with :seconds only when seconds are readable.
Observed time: 7:25:31
